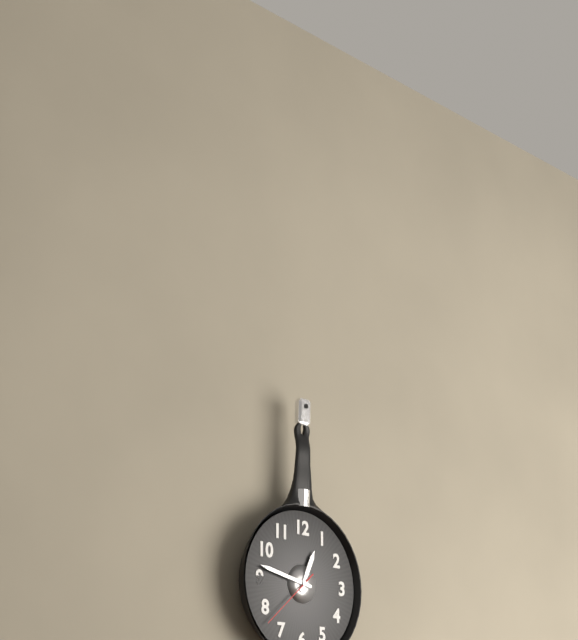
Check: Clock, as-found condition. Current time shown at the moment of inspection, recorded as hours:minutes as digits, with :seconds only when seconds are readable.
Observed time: 12:47:38
